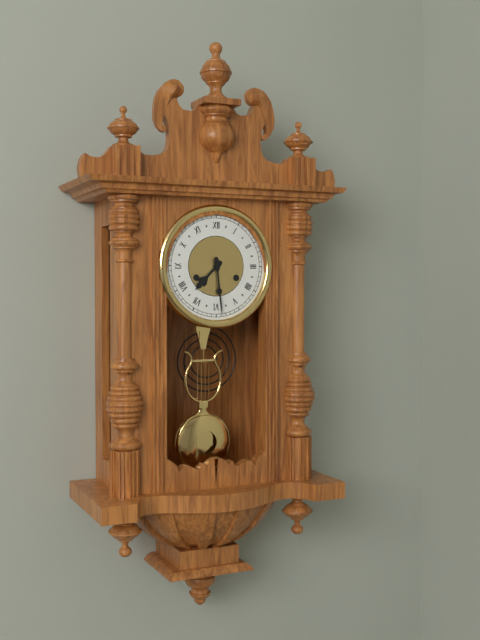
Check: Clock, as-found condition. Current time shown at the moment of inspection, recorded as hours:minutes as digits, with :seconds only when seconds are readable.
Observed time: 7:29
